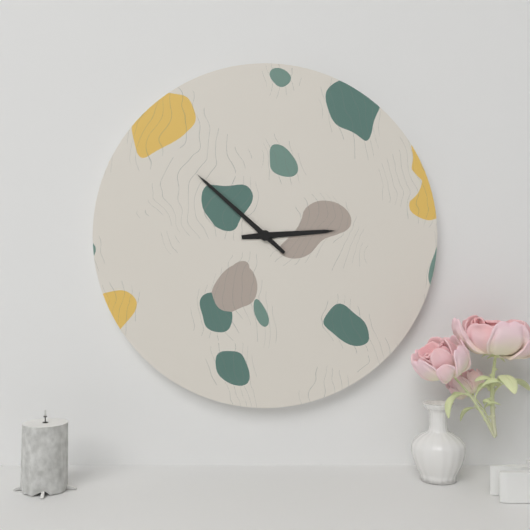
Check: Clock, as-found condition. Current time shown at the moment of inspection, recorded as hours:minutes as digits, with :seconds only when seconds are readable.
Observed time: 2:52
